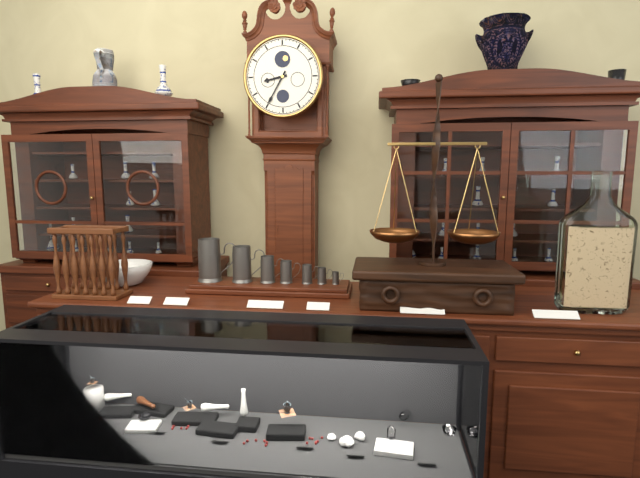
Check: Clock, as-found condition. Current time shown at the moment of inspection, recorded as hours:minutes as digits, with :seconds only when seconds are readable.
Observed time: 8:35
